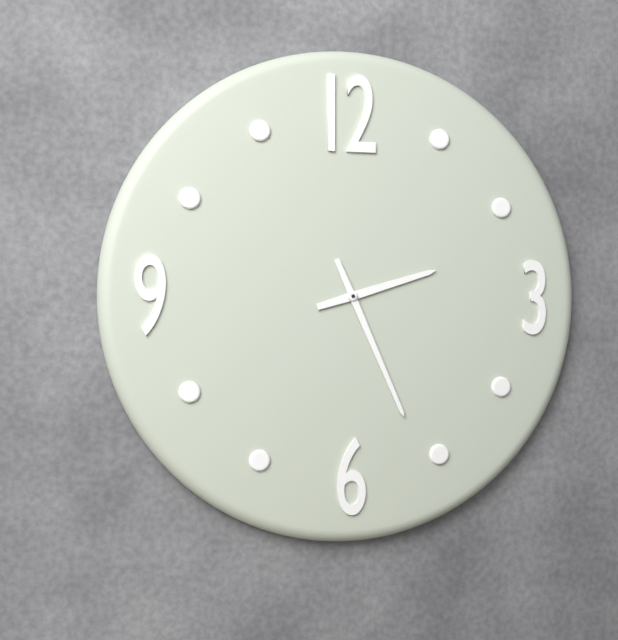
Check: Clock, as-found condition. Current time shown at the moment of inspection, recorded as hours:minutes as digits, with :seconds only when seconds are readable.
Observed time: 2:26
